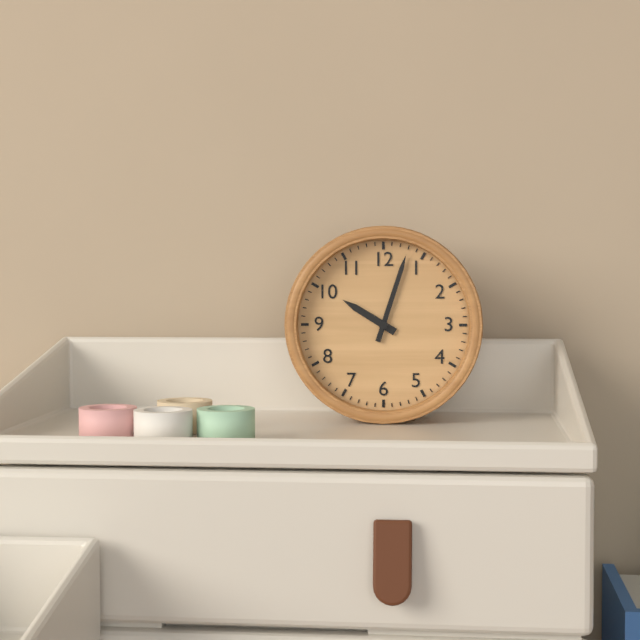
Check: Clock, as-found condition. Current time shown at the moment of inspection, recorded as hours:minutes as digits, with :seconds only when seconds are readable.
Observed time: 10:03
